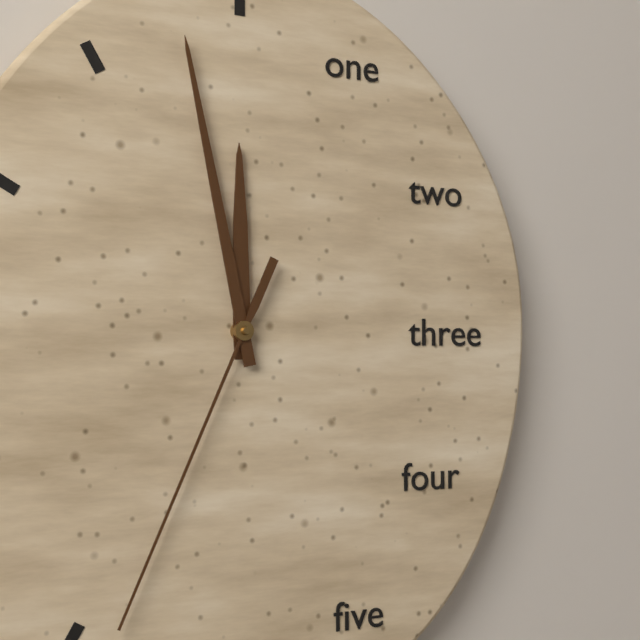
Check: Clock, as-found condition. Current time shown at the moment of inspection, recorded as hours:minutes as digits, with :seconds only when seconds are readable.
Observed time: 11:58:34
